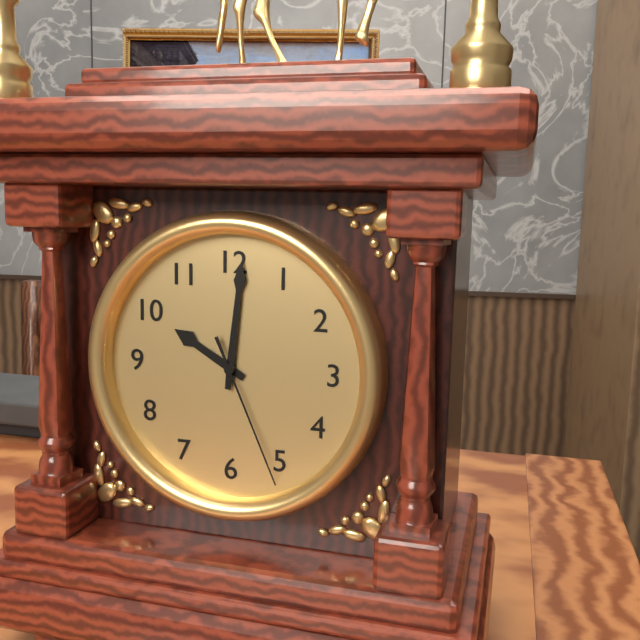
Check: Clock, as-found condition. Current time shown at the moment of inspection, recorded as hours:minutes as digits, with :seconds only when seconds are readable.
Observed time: 10:01:26
